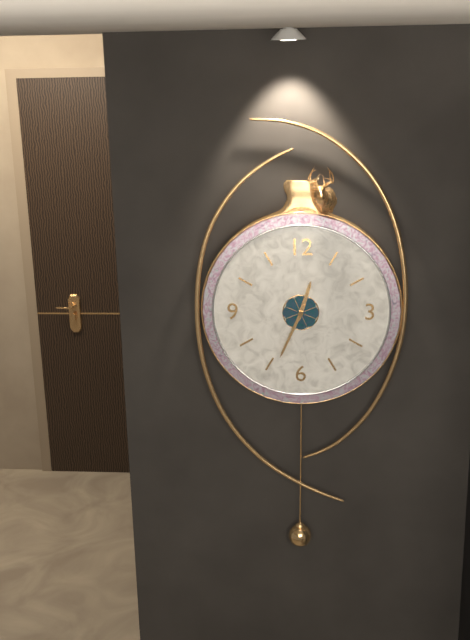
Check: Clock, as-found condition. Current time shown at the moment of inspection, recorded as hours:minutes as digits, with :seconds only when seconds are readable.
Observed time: 12:34
